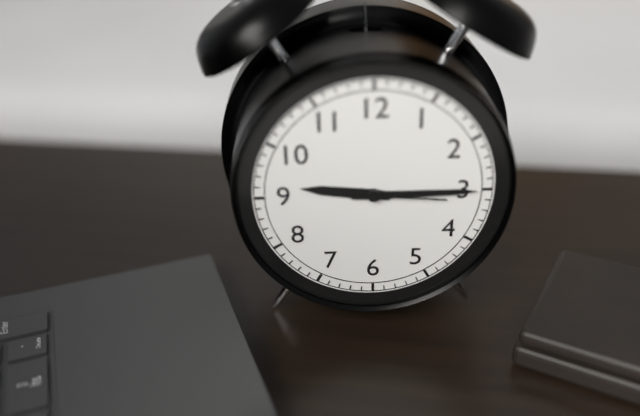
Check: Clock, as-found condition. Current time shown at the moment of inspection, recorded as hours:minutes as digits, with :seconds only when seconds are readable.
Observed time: 9:15:16
